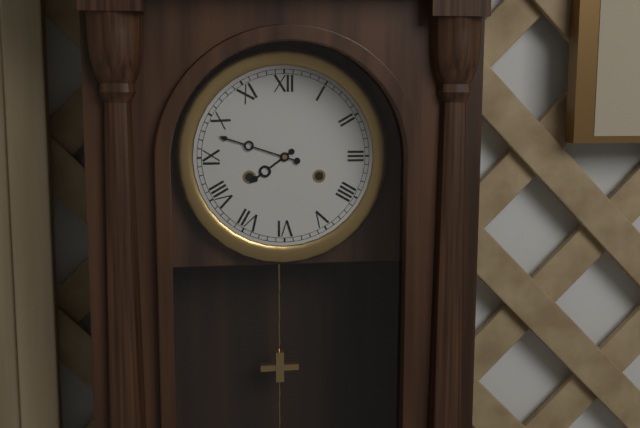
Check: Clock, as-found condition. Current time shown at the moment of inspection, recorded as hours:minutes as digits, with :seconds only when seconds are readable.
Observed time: 7:48
